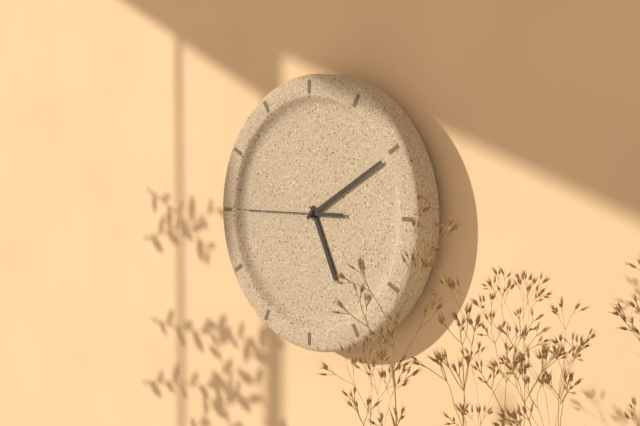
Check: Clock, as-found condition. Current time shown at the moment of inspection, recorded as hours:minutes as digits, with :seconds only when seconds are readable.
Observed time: 5:10:45
